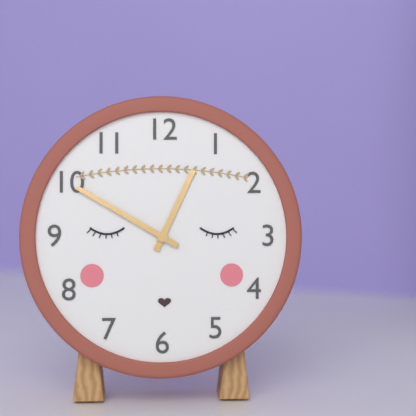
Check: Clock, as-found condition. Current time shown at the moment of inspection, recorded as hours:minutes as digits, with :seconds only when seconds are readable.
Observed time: 12:50
